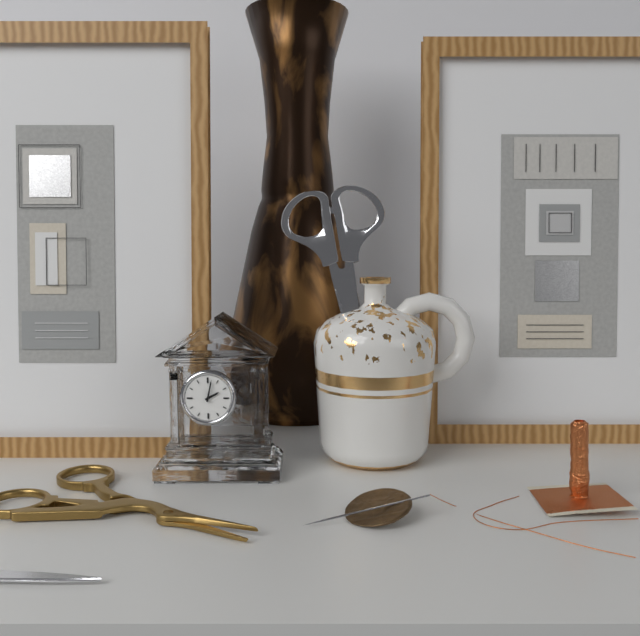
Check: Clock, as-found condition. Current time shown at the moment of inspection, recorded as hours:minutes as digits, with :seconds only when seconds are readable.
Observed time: 2:02
